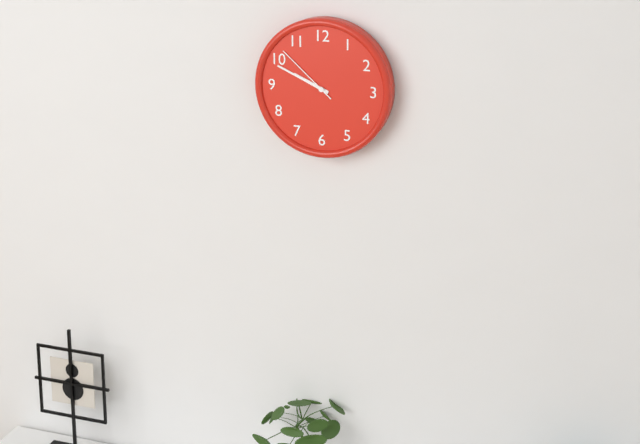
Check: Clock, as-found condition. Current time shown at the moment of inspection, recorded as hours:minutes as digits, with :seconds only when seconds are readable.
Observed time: 9:49:52
